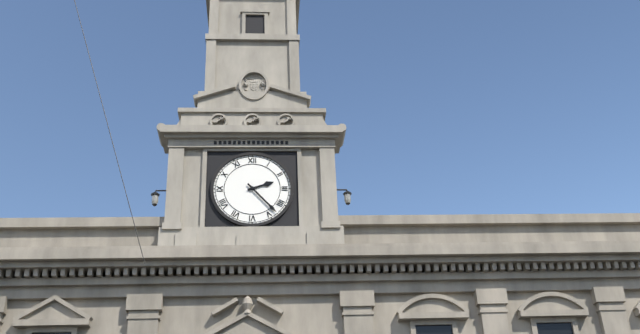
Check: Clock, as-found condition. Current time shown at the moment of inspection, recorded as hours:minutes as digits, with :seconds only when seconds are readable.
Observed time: 2:23
